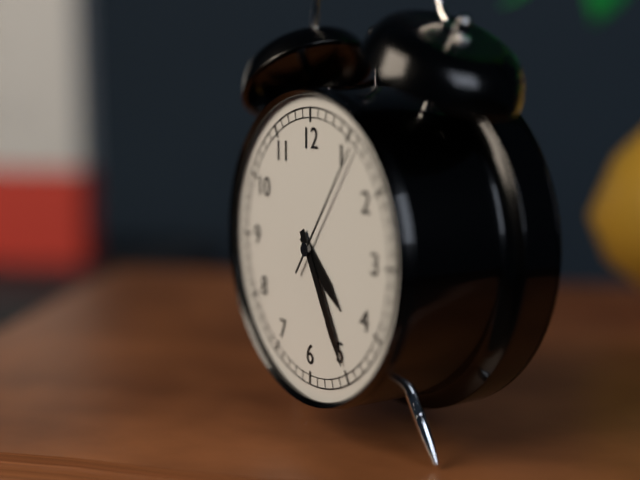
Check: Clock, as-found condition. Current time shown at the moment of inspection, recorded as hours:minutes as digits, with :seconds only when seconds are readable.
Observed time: 4:25:06
